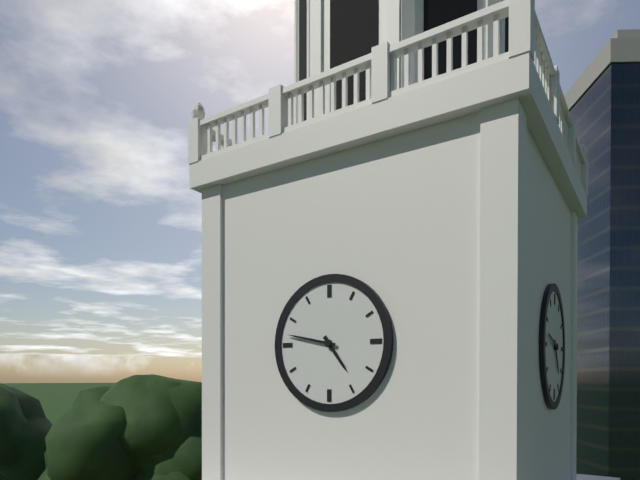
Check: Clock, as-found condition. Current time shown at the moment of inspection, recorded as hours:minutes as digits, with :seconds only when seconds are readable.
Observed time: 4:47
